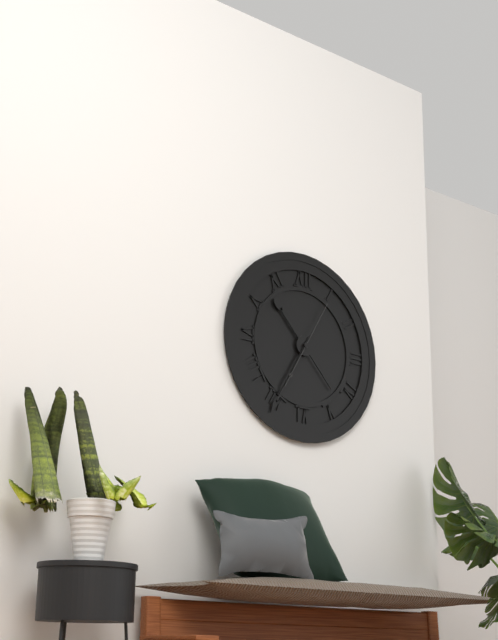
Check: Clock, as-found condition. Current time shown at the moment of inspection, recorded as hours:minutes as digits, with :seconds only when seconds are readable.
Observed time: 10:35:05
